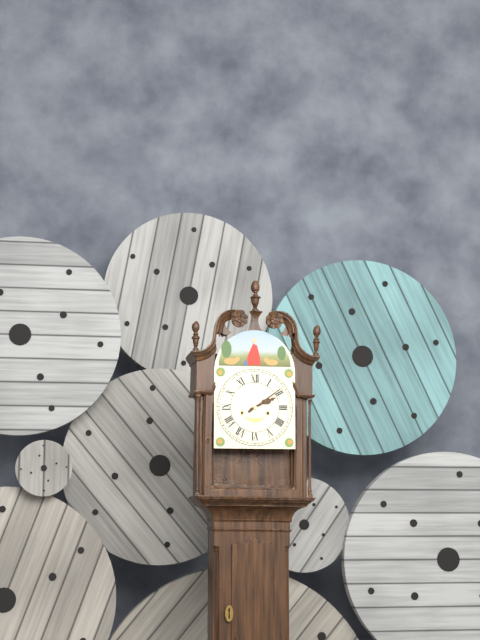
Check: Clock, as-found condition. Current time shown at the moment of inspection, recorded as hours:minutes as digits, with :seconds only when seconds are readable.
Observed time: 2:09
